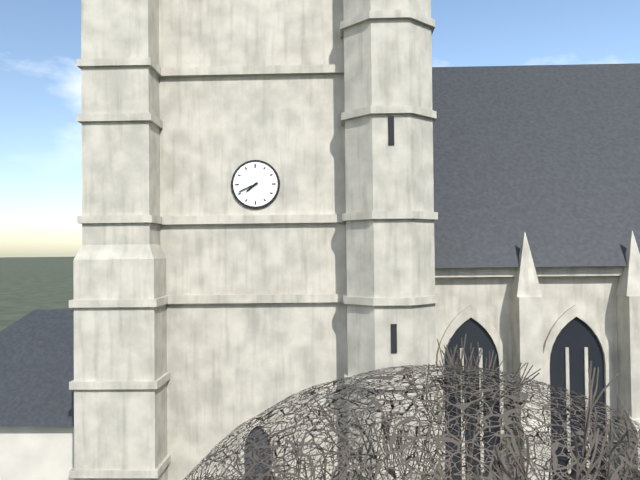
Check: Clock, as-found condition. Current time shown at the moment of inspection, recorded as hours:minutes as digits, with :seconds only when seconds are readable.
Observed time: 7:41
